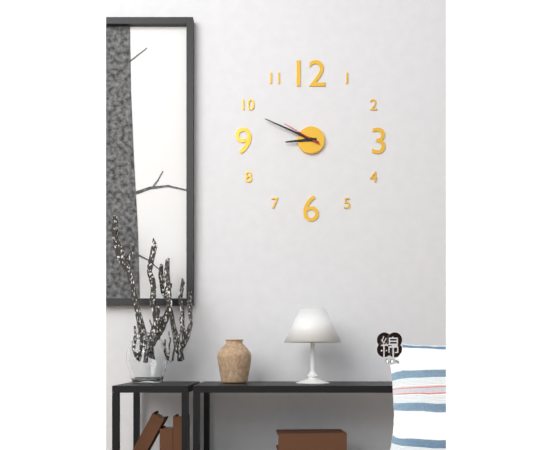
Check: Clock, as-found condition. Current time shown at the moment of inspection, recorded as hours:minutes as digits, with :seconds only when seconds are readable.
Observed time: 8:49
